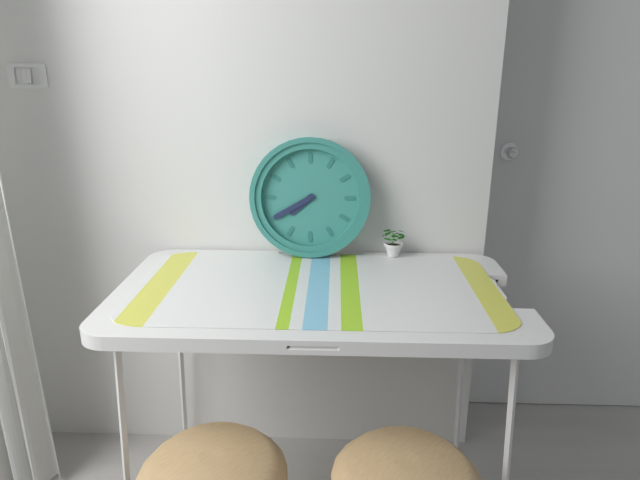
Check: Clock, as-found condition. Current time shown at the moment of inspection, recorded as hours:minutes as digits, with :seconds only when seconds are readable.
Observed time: 7:40
